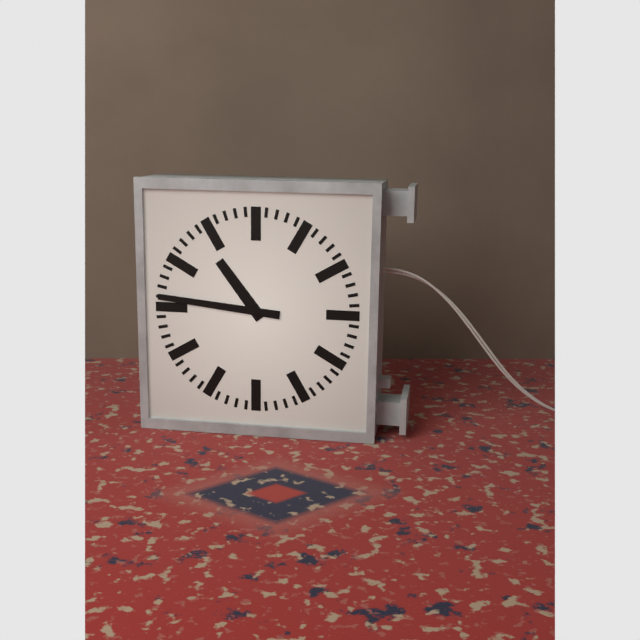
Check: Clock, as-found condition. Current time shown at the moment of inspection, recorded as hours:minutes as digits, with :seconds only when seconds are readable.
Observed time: 10:46
